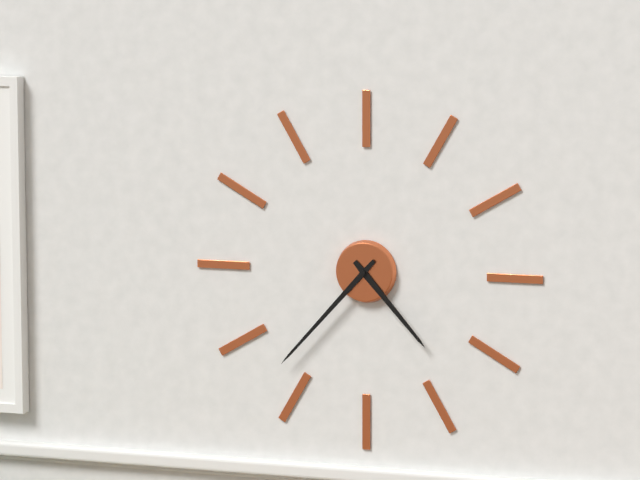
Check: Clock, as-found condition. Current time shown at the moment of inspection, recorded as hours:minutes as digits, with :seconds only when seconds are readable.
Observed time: 4:37
